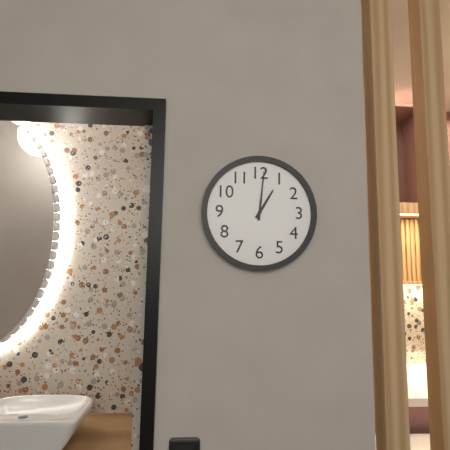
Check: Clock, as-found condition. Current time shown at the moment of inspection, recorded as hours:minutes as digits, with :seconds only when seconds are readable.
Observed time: 1:01
